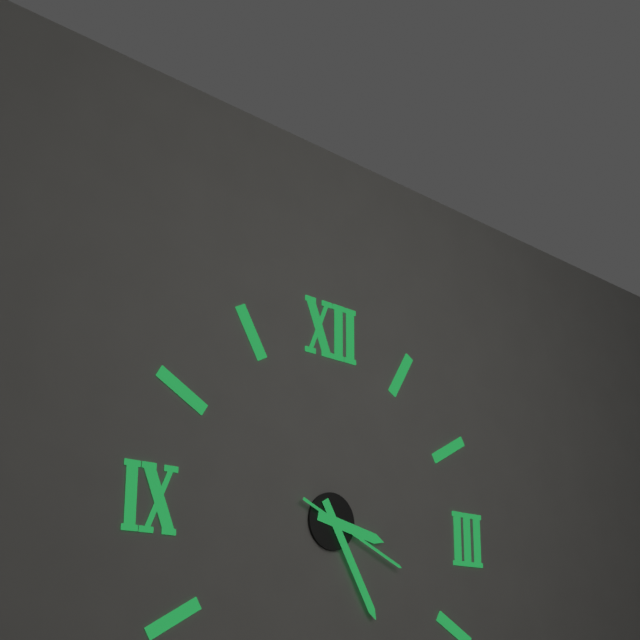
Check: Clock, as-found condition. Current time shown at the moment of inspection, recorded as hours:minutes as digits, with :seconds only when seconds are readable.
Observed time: 3:25:19
